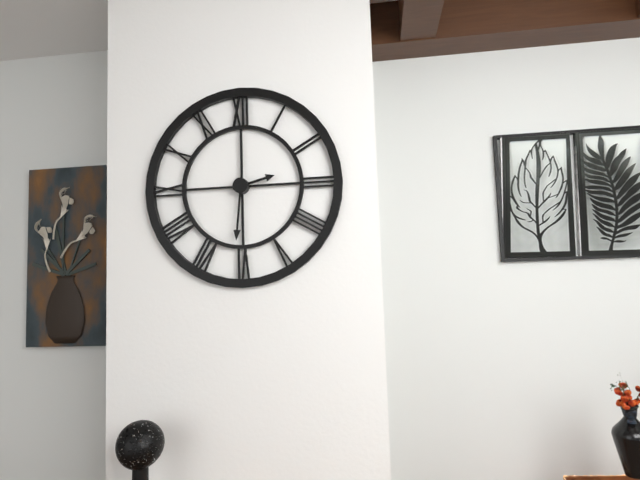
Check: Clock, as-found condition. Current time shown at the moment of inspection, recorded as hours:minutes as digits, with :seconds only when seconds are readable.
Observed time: 2:31
